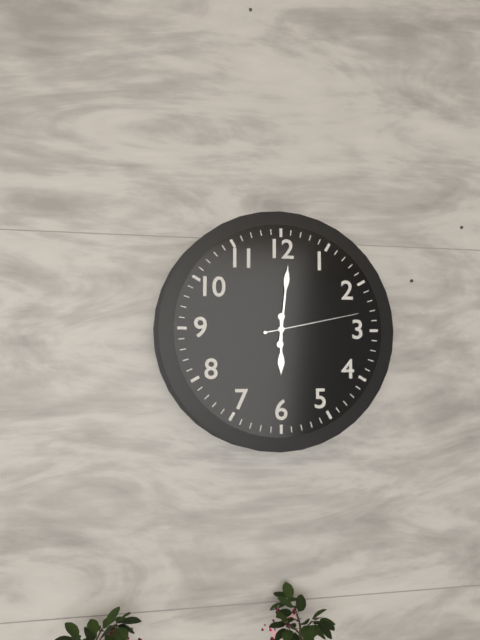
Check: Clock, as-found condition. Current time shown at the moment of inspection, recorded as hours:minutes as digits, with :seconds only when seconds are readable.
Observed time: 6:01:13
